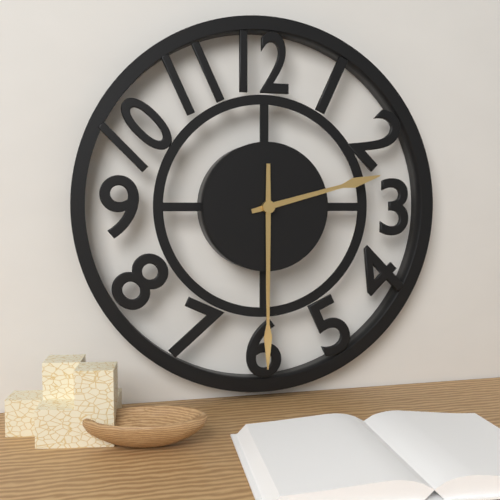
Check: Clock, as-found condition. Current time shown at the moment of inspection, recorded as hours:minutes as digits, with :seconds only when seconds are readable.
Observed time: 2:30
